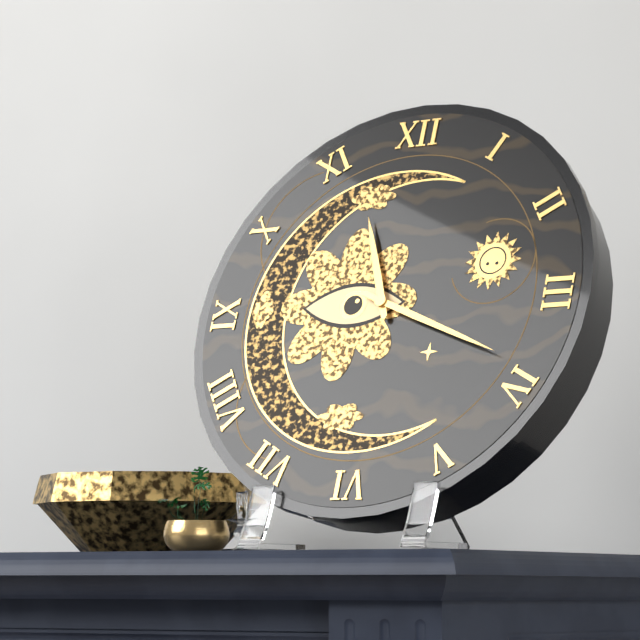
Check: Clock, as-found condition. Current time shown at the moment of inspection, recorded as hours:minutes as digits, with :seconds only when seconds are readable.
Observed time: 11:19
